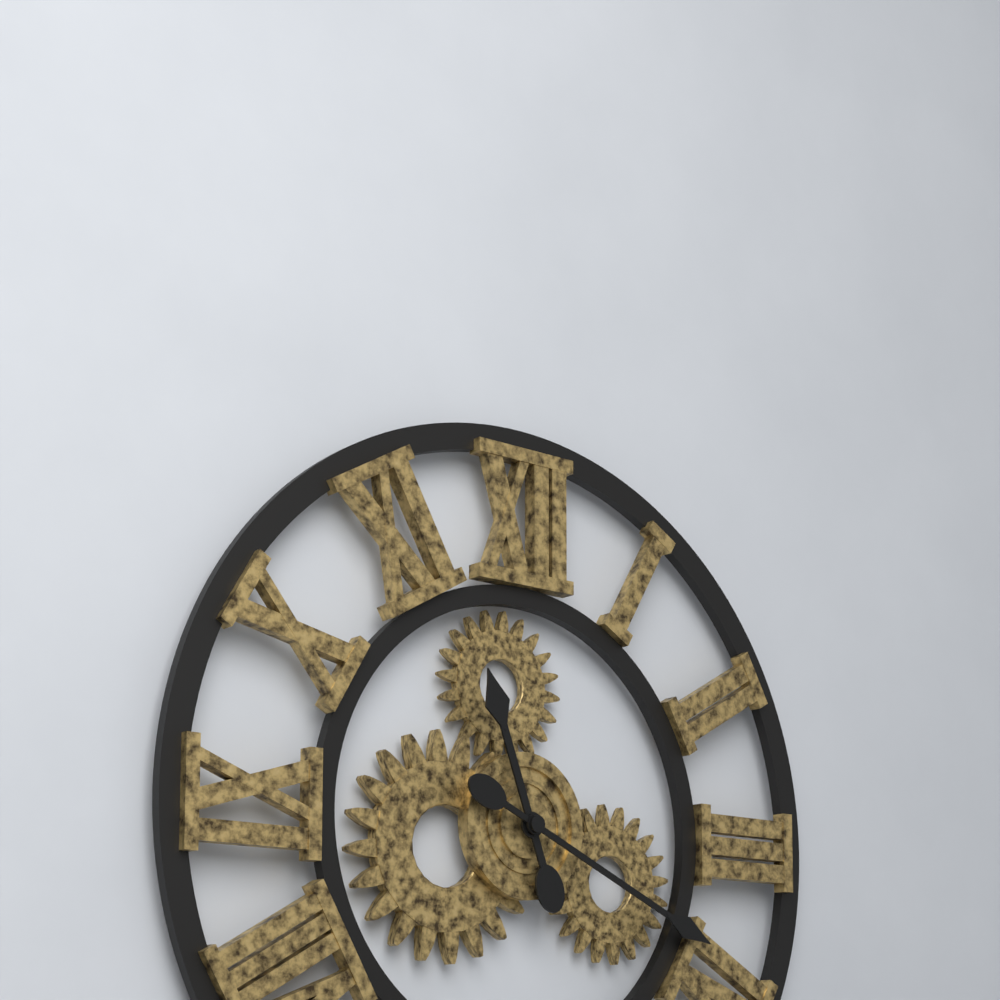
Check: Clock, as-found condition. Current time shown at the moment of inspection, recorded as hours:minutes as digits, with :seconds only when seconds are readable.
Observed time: 11:19
